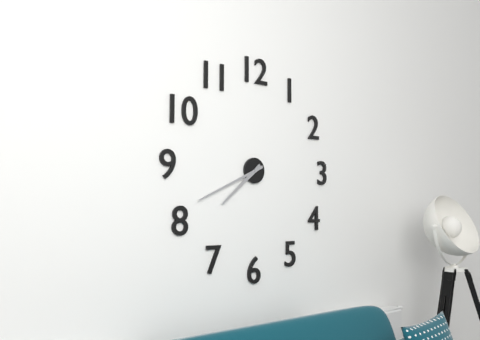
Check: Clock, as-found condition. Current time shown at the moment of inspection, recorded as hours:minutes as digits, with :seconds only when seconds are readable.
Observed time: 7:41
